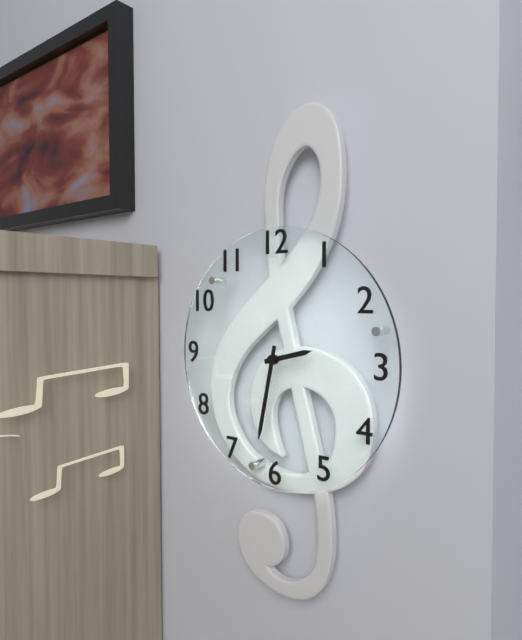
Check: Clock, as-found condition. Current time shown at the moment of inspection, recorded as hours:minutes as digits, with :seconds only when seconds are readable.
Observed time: 2:32
